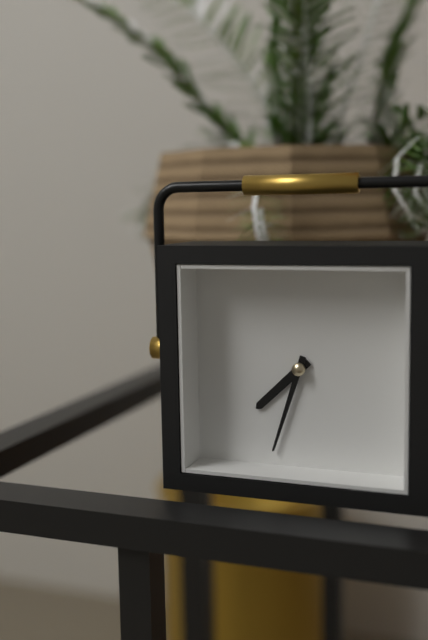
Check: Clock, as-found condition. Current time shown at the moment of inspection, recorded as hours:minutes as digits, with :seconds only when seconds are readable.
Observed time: 7:33
